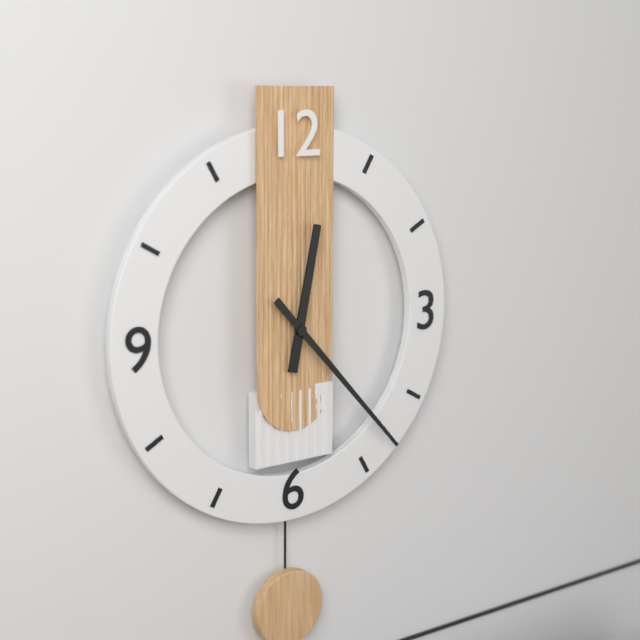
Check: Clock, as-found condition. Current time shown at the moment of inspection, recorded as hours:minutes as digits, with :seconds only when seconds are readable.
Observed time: 12:23
